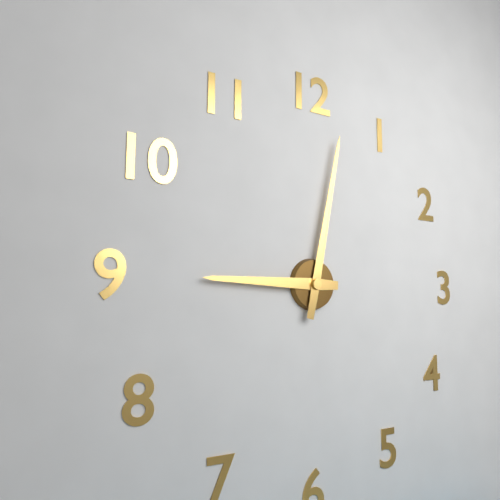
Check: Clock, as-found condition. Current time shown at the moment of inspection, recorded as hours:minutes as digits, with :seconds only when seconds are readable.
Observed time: 9:02
